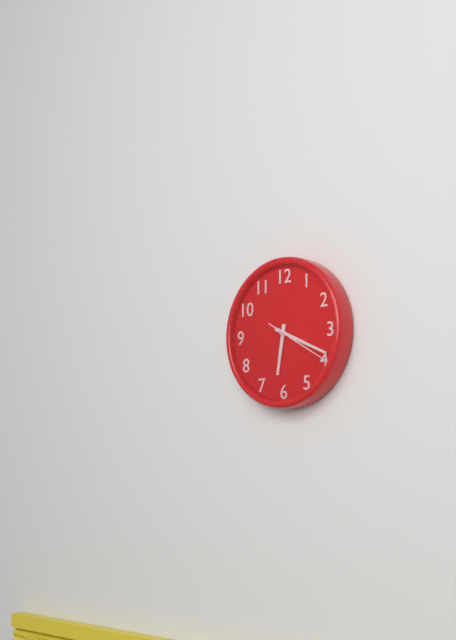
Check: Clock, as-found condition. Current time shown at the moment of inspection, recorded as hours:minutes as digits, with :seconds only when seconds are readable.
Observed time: 6:19:20
